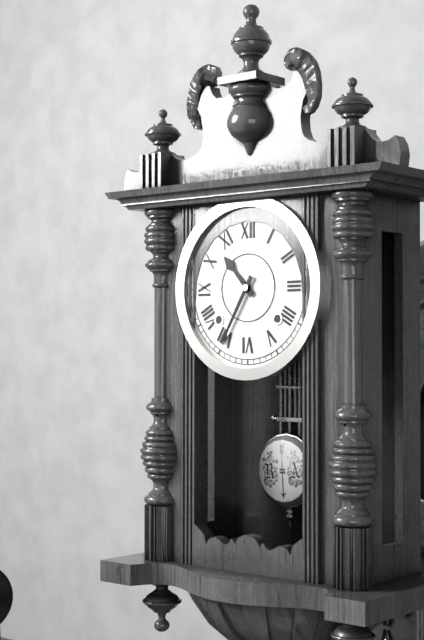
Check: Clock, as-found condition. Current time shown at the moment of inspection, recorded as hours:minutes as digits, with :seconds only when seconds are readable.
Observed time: 10:35
